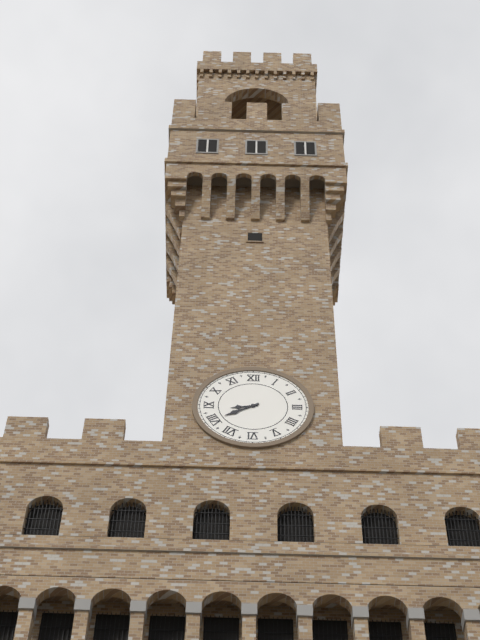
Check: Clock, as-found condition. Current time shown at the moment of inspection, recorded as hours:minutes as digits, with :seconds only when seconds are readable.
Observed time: 8:40
